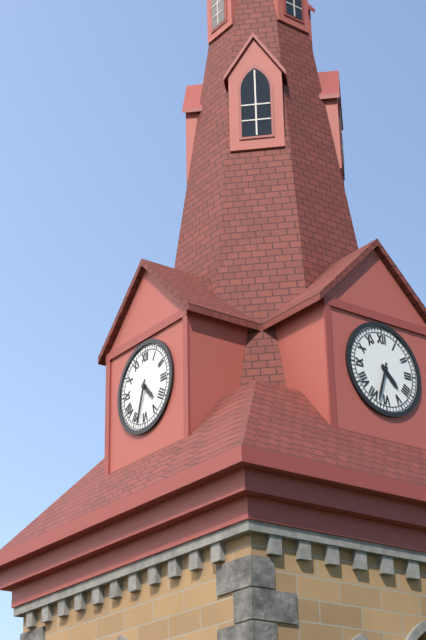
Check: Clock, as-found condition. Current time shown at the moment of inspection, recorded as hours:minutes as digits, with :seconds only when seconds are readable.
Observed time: 4:33
